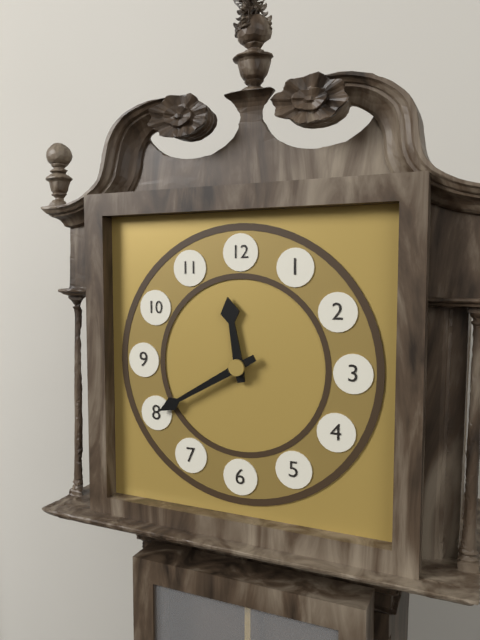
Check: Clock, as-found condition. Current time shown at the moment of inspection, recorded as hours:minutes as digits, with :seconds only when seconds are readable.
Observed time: 11:40
